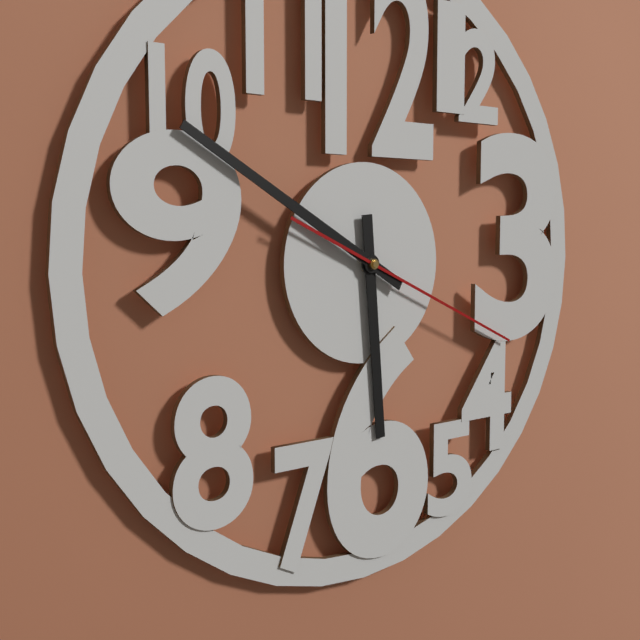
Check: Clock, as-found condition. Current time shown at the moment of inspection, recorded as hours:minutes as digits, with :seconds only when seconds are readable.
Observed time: 5:50:19
